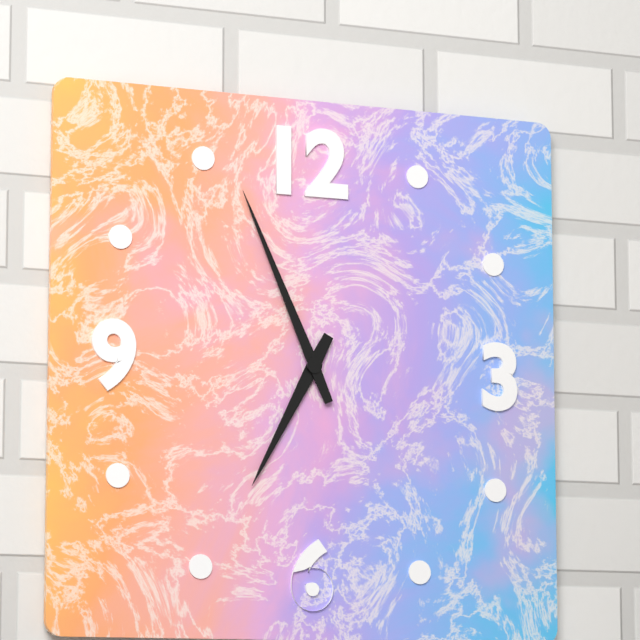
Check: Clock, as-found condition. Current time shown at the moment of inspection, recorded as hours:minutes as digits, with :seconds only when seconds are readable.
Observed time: 6:56
